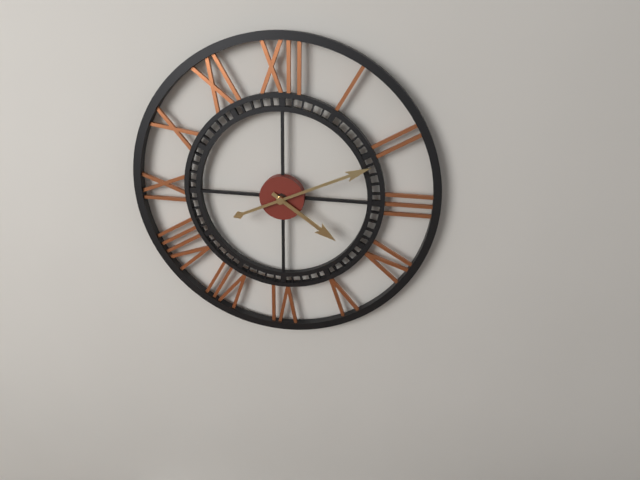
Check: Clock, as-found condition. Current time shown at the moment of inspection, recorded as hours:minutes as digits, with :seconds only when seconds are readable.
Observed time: 4:11
